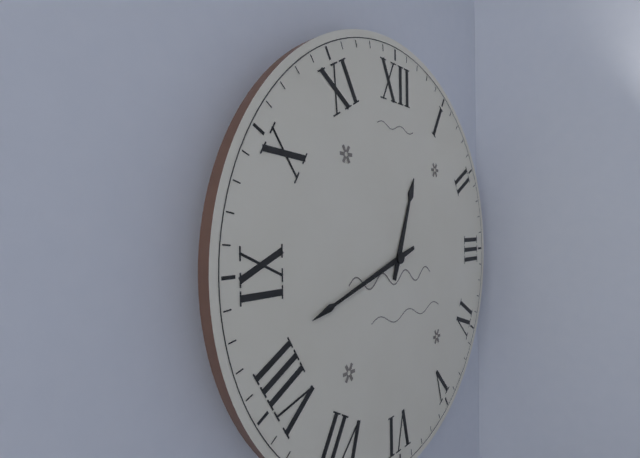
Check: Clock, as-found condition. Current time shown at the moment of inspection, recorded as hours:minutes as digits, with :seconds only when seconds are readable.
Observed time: 12:42
